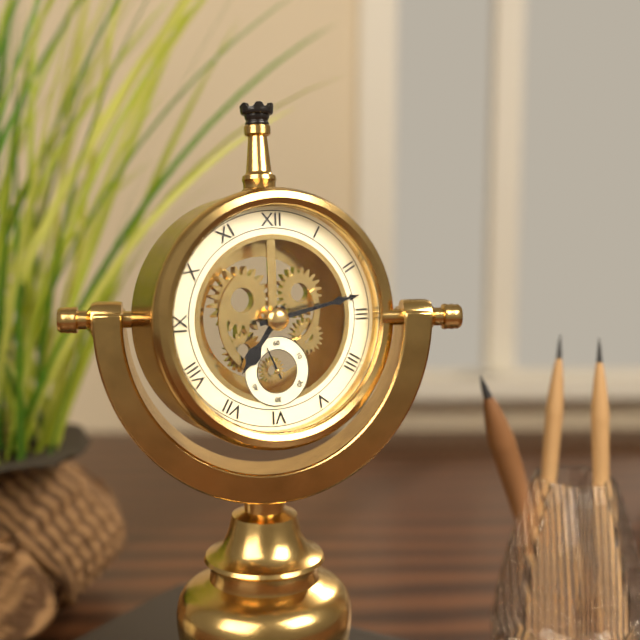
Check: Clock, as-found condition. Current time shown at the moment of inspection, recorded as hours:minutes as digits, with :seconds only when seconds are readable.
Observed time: 7:13
